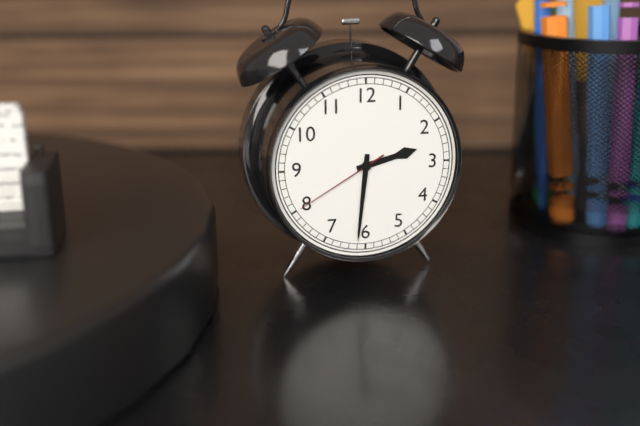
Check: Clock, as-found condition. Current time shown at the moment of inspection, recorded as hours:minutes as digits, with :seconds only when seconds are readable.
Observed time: 2:31:40
